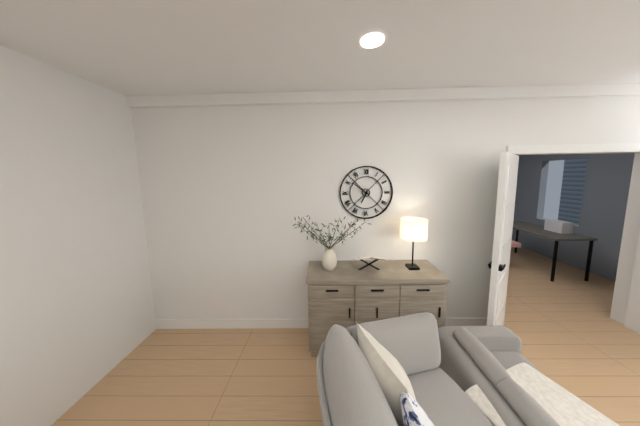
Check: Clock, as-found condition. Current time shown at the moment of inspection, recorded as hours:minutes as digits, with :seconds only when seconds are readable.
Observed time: 6:51
